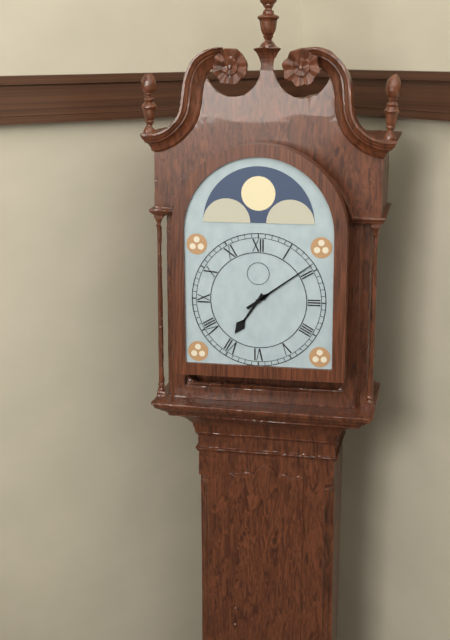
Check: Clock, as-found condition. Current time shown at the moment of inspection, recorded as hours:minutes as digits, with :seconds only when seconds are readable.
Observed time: 7:09
